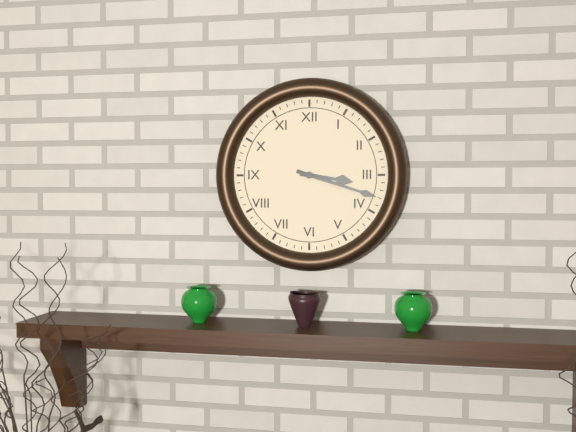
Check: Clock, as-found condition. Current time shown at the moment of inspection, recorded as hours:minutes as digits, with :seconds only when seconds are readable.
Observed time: 3:18
